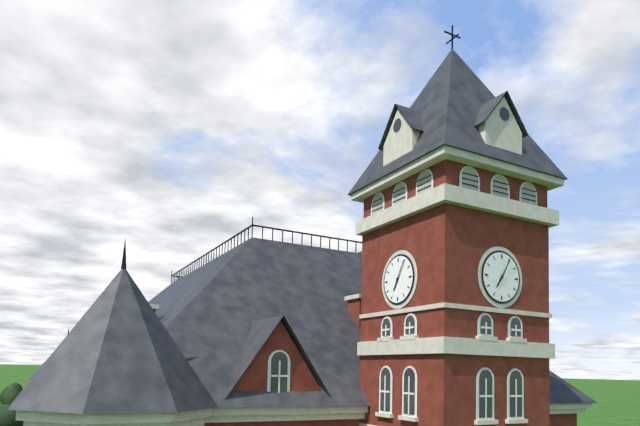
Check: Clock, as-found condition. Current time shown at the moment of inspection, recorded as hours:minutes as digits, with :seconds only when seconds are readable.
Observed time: 7:05
